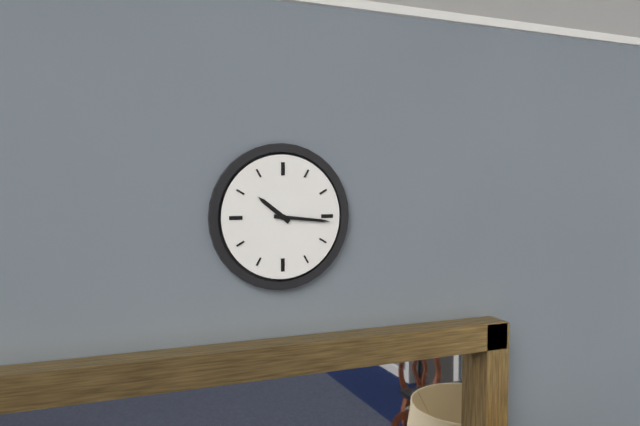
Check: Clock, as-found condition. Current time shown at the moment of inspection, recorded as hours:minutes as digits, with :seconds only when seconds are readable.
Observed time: 10:16
